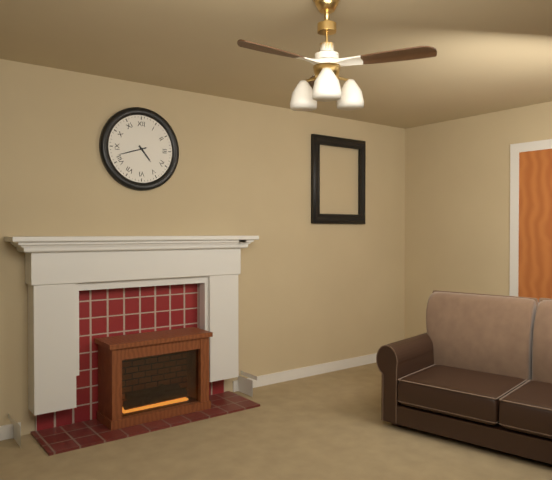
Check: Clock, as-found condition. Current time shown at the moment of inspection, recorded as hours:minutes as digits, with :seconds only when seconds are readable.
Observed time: 4:42
